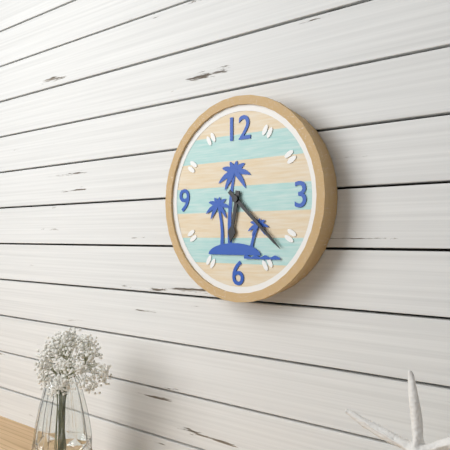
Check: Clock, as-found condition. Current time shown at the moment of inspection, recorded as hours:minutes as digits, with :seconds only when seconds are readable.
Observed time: 6:22
